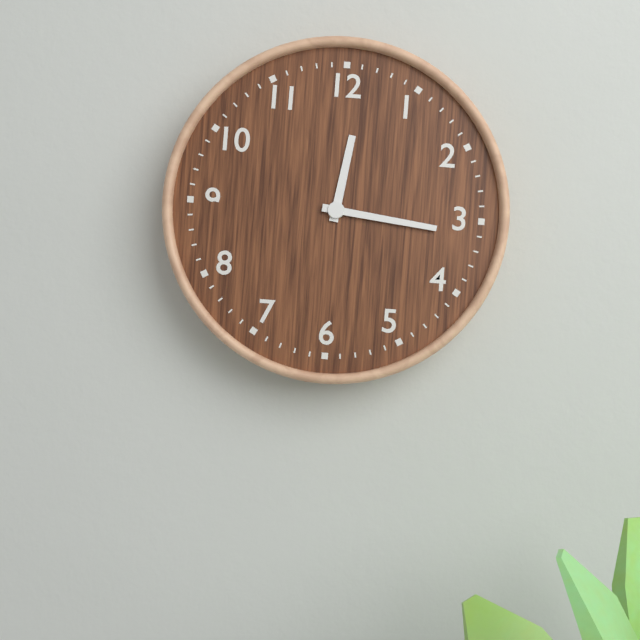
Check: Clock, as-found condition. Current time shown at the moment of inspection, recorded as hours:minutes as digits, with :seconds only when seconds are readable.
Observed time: 12:16
